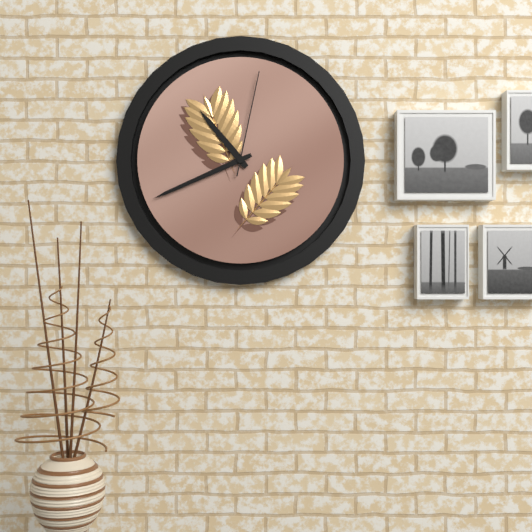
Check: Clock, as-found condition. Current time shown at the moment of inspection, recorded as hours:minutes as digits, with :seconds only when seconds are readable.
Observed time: 10:41:02
